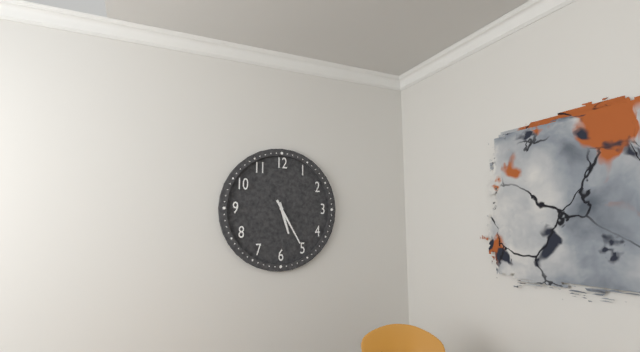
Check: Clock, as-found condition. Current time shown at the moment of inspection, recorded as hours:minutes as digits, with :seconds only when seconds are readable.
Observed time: 5:25
